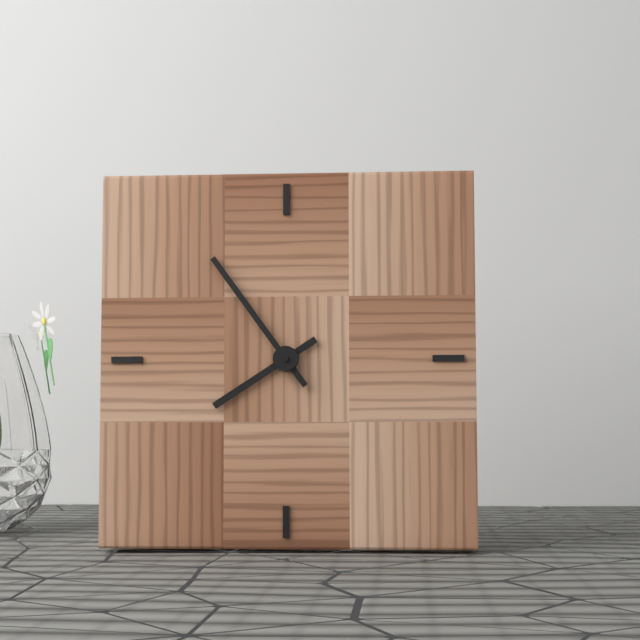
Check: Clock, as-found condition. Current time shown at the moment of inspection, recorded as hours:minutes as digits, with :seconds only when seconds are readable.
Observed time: 7:54
